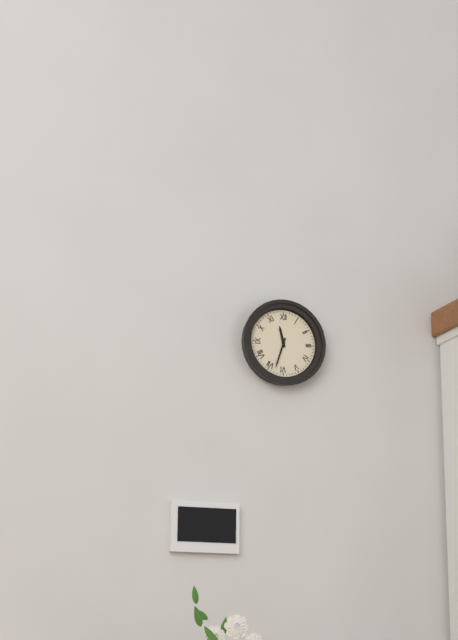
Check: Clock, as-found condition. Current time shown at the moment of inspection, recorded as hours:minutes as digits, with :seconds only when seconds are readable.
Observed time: 11:33
